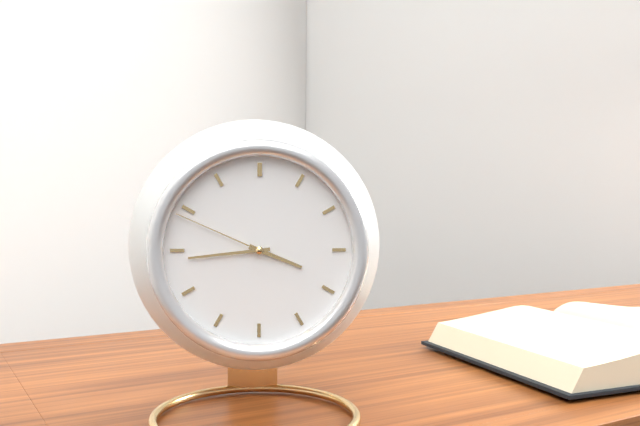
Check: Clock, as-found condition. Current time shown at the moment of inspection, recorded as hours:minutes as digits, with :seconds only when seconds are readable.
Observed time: 3:44:49
